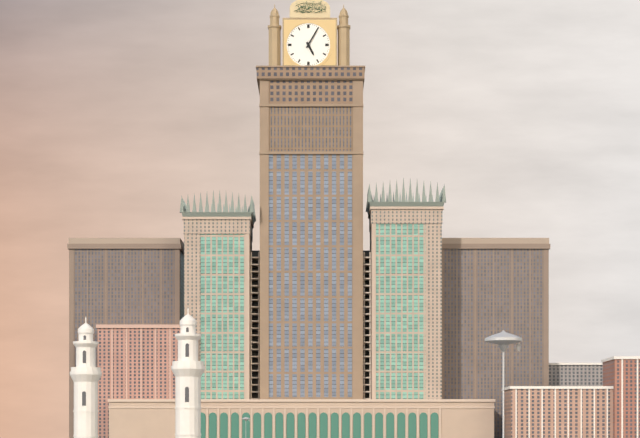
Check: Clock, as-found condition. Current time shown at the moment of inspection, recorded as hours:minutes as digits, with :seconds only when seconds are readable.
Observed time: 5:05
